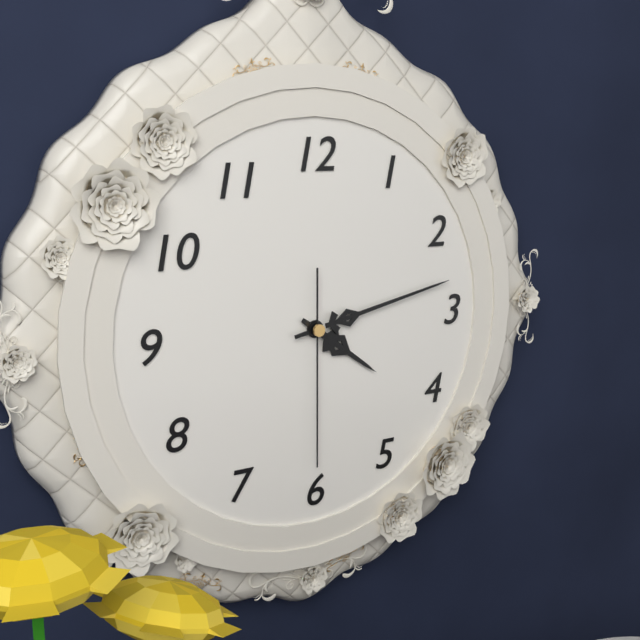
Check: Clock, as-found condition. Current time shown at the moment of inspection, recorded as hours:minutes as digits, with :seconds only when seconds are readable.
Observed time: 4:13:30
